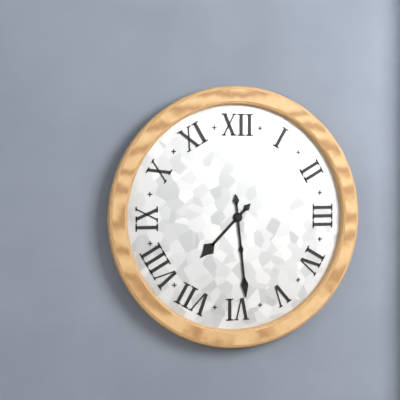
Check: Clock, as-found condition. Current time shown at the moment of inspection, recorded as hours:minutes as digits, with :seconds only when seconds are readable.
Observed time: 7:29
